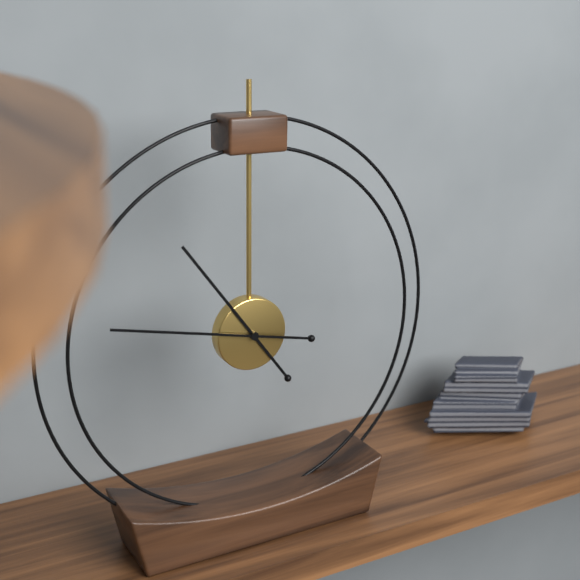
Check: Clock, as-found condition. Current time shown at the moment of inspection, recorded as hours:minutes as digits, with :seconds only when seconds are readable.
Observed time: 10:47
